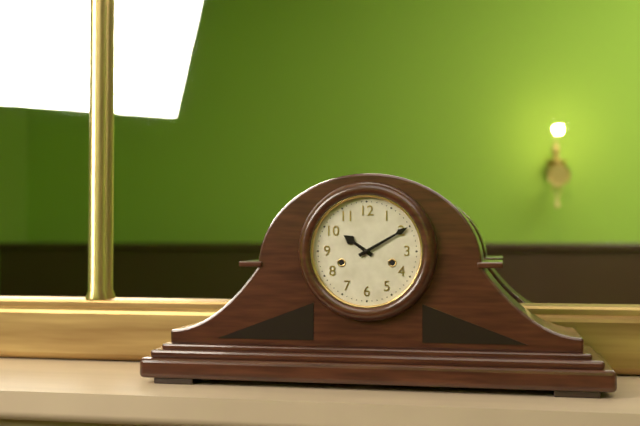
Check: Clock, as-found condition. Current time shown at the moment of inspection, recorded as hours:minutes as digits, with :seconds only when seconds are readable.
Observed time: 10:10
